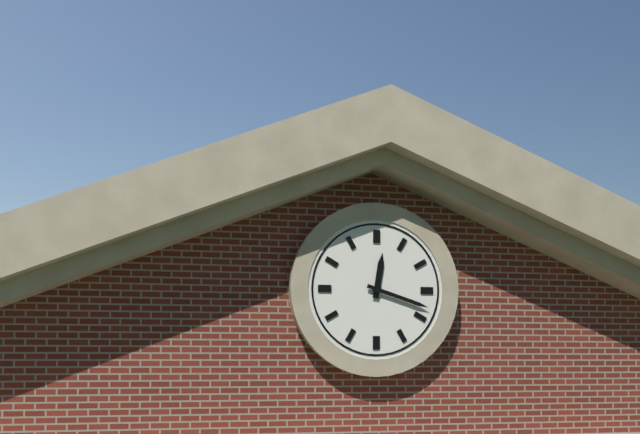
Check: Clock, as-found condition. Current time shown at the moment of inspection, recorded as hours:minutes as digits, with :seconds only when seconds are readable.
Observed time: 12:18
